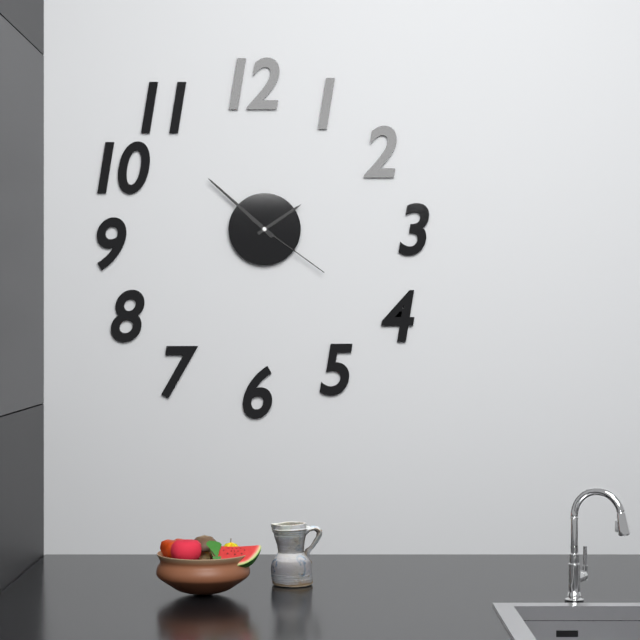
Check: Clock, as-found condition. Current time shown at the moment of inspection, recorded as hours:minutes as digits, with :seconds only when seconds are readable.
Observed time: 1:52:21
